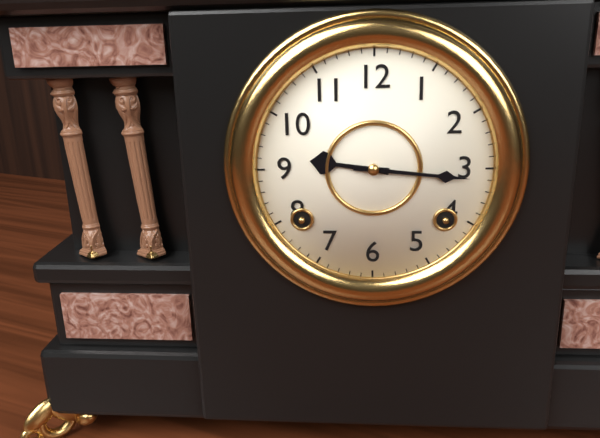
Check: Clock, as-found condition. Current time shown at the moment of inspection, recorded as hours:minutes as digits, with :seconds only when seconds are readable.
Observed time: 9:16
